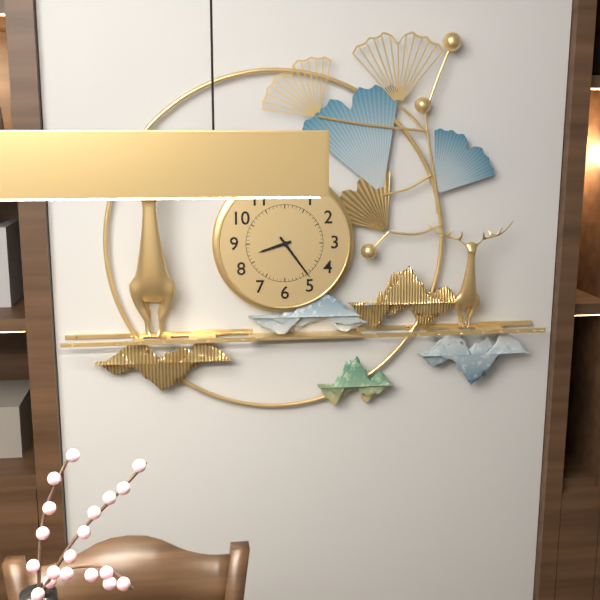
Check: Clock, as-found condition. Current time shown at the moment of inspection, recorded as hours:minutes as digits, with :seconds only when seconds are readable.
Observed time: 8:24
